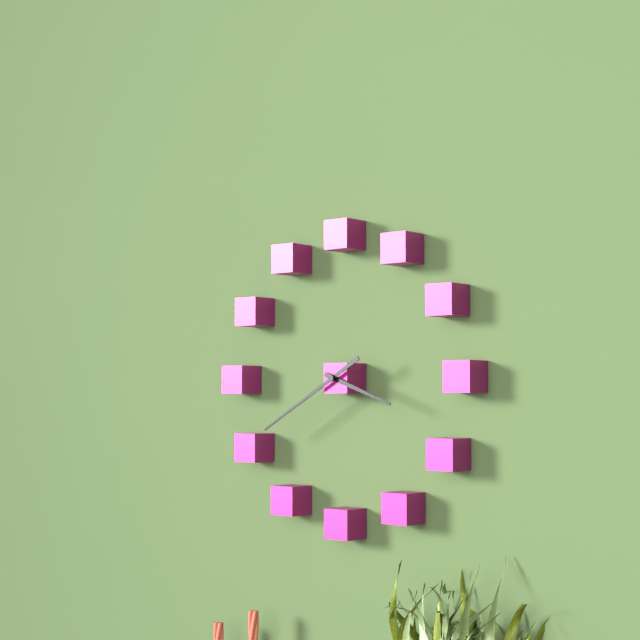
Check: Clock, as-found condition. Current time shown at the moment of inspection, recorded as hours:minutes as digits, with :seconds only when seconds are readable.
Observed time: 3:40
